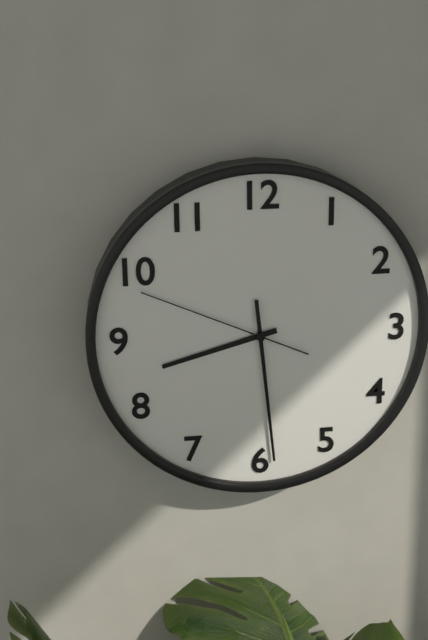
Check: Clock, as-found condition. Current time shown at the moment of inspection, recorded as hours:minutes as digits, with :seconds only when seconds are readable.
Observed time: 8:29:49
